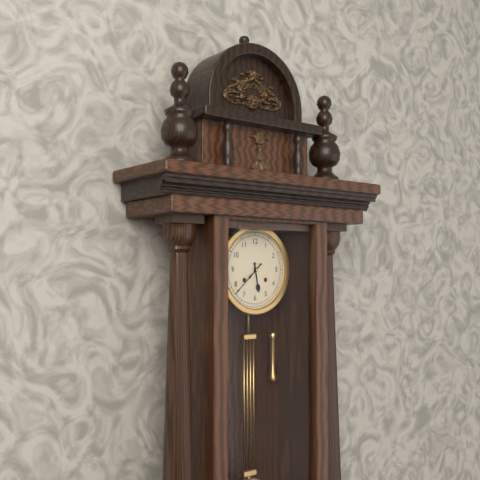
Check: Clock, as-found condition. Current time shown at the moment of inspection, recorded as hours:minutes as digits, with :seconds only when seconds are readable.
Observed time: 5:38
